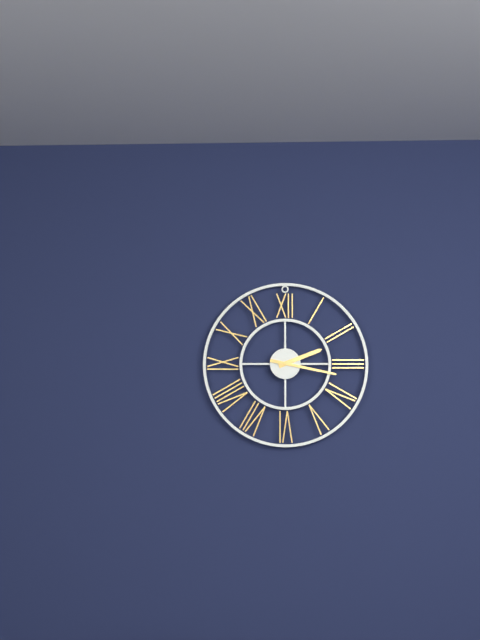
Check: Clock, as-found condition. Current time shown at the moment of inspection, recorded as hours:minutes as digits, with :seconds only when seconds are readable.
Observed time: 2:17
